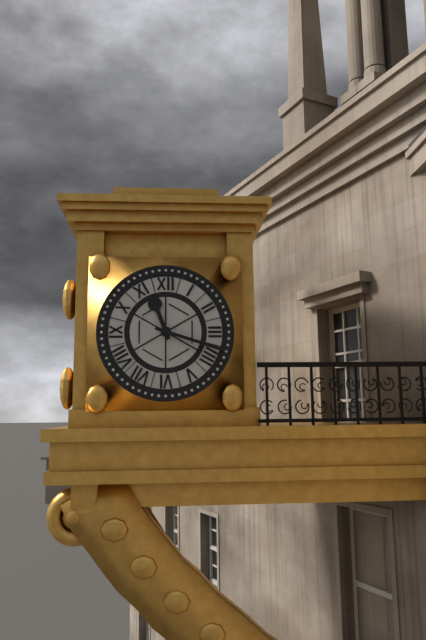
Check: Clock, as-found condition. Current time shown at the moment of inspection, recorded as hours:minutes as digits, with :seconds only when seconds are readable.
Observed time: 11:18
